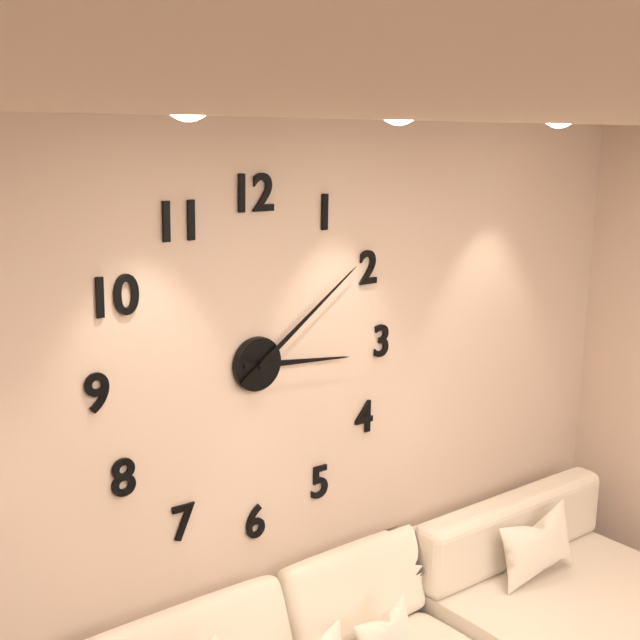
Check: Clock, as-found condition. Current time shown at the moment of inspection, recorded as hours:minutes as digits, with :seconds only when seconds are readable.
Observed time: 3:09
